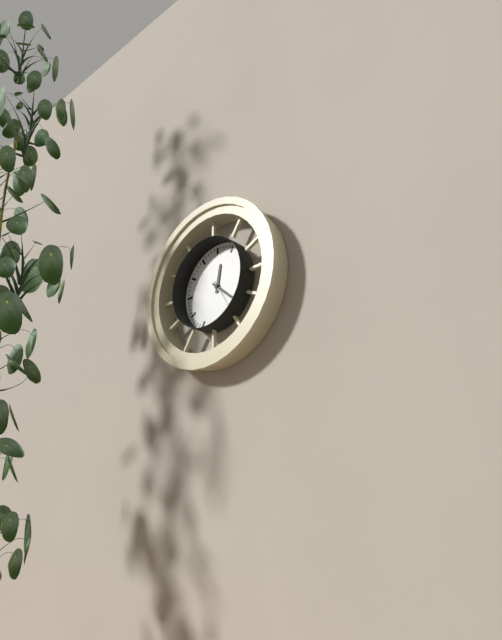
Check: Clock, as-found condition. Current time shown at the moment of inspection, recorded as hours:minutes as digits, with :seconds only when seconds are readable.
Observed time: 12:22
